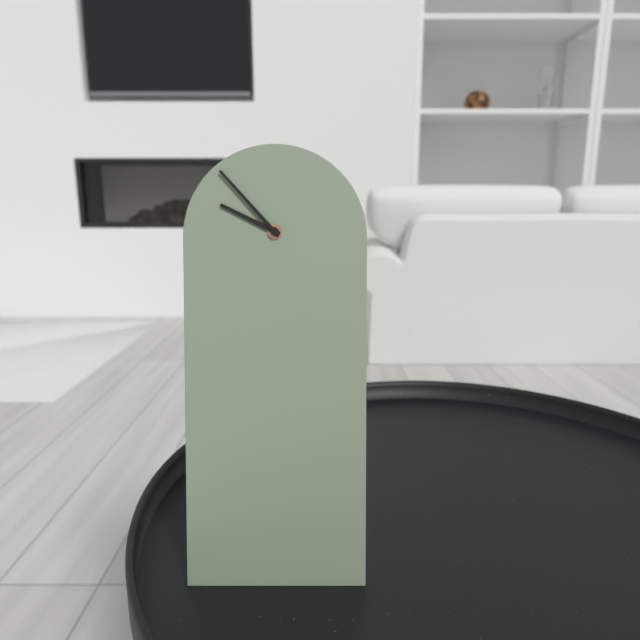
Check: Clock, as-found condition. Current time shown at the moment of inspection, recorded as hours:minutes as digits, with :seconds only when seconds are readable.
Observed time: 9:53
